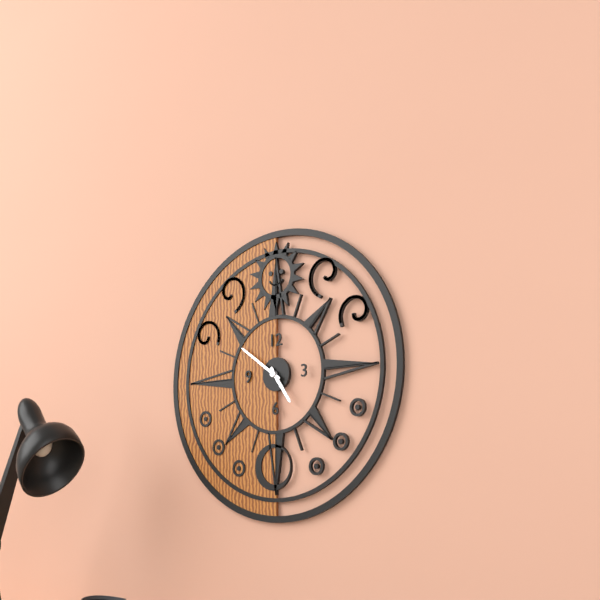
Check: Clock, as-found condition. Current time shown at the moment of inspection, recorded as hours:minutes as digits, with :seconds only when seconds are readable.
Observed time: 4:51
